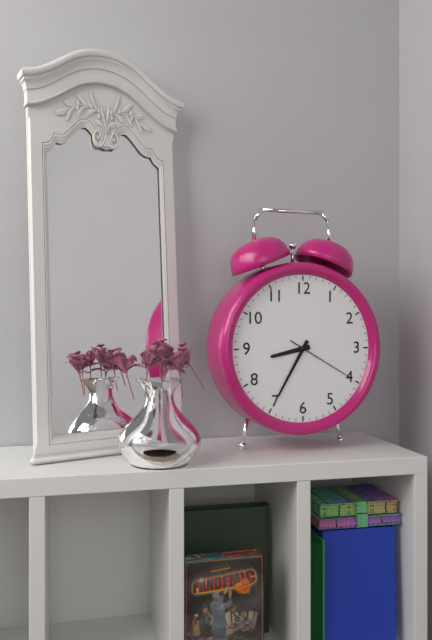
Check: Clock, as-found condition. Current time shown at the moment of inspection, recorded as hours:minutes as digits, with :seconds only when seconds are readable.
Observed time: 8:35:20
